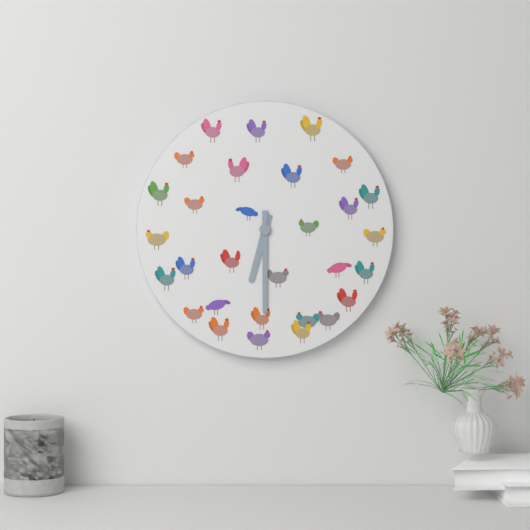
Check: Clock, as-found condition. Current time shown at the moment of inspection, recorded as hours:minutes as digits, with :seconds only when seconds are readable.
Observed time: 6:30
